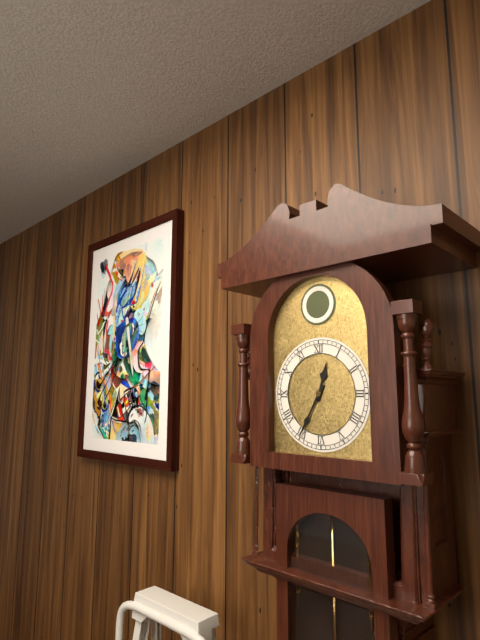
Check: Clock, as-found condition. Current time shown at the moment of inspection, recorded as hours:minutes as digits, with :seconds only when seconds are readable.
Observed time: 12:35
